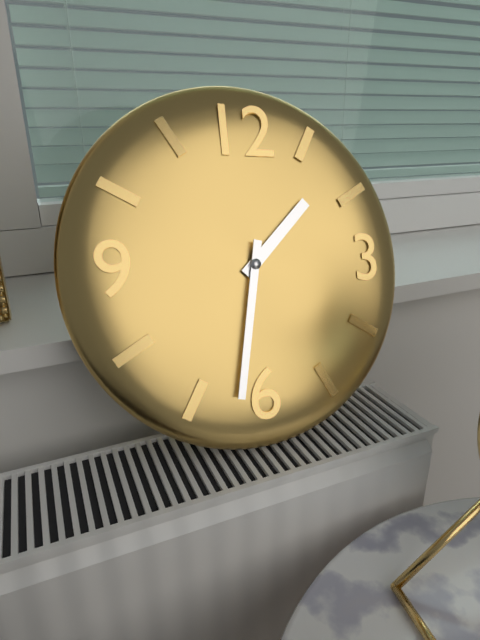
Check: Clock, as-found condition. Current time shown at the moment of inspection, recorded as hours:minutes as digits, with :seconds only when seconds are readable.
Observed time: 1:32
